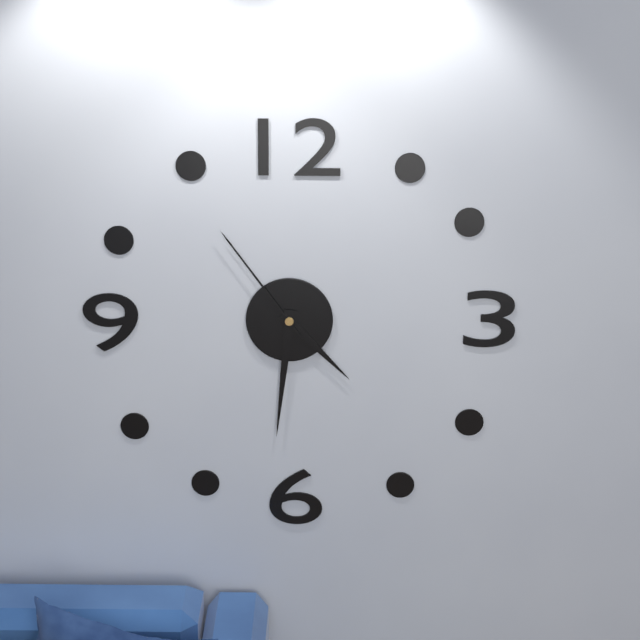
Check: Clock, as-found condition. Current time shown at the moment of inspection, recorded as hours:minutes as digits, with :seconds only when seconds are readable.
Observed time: 4:31:54
